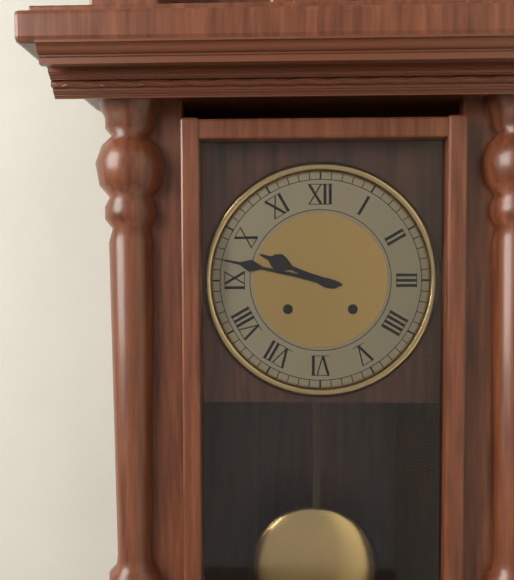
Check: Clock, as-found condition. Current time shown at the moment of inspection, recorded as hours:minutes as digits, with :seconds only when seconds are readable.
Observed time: 9:47
